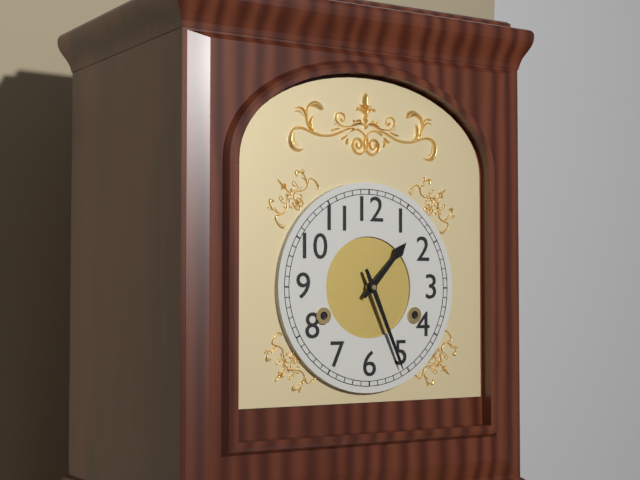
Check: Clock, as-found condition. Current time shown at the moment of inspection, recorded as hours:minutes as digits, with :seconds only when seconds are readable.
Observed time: 1:26
